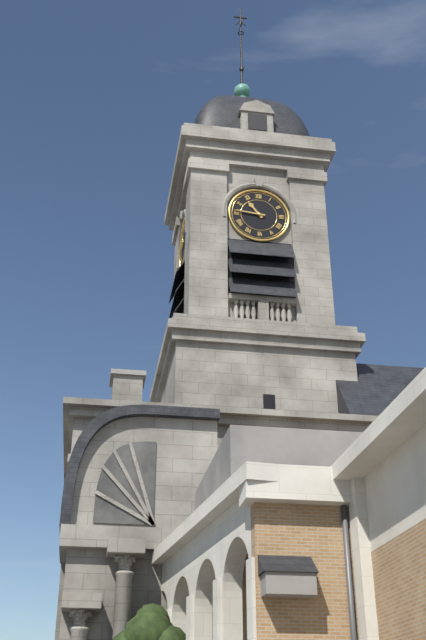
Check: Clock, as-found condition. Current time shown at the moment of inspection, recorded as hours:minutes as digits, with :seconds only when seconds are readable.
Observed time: 10:46
